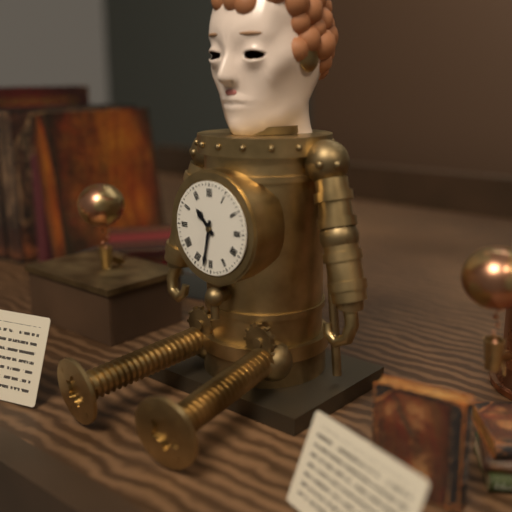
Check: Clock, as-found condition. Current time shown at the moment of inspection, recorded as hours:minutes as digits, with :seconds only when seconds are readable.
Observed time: 10:32
